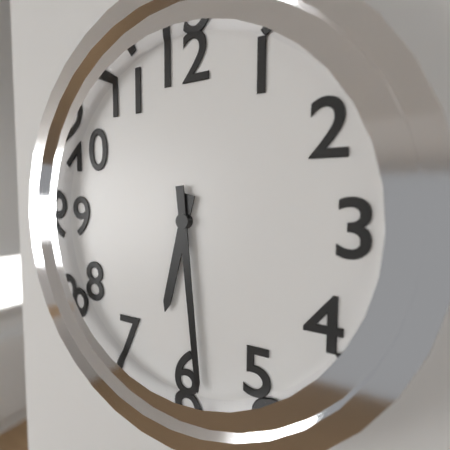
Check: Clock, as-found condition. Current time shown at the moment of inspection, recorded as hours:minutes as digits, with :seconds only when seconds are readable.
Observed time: 6:29
